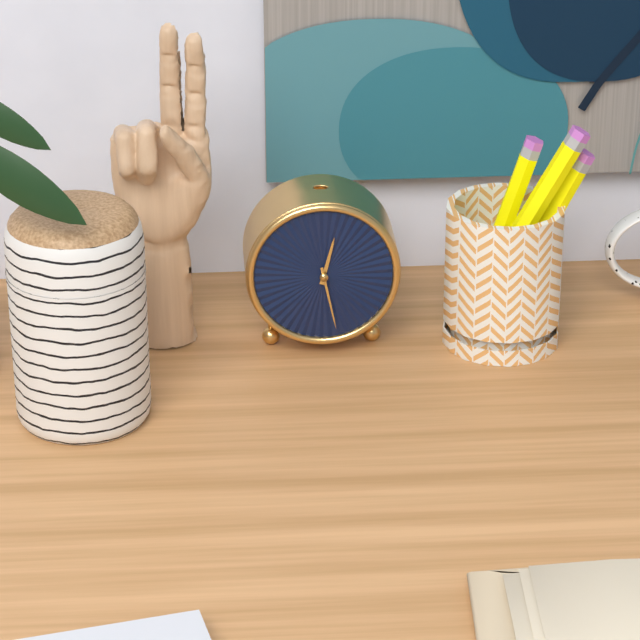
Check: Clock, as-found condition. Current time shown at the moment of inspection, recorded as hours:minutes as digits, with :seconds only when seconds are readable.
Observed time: 12:28
